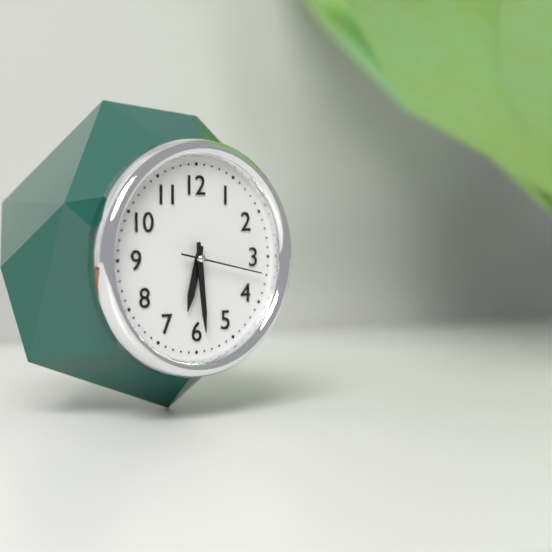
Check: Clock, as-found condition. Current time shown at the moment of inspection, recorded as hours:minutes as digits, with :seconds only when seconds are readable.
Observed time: 6:29:17
